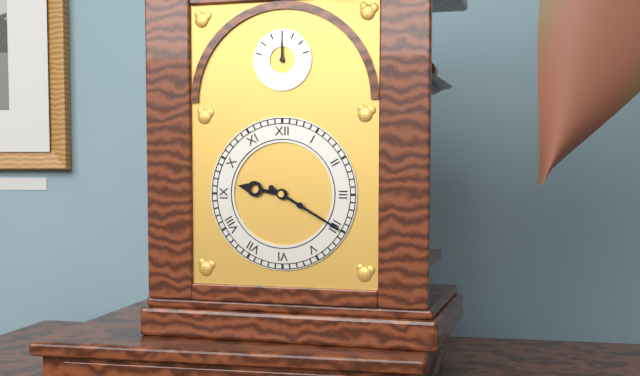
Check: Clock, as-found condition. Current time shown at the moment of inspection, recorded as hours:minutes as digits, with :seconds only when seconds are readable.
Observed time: 9:20
